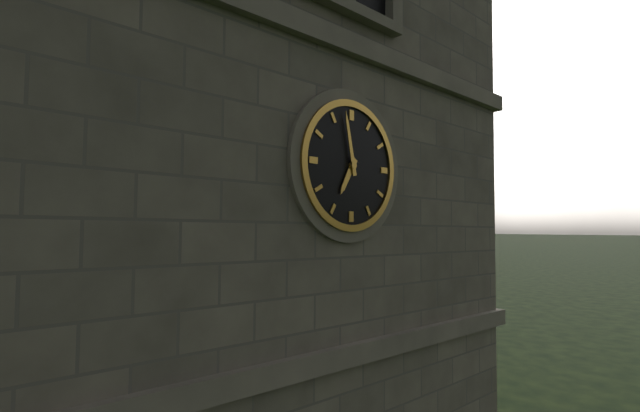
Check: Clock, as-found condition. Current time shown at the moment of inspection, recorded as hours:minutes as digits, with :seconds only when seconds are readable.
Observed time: 6:58
